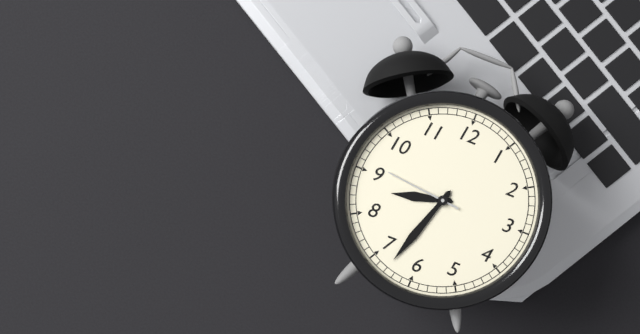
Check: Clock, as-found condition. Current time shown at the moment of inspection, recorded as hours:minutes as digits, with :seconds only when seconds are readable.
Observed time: 8:33:46
